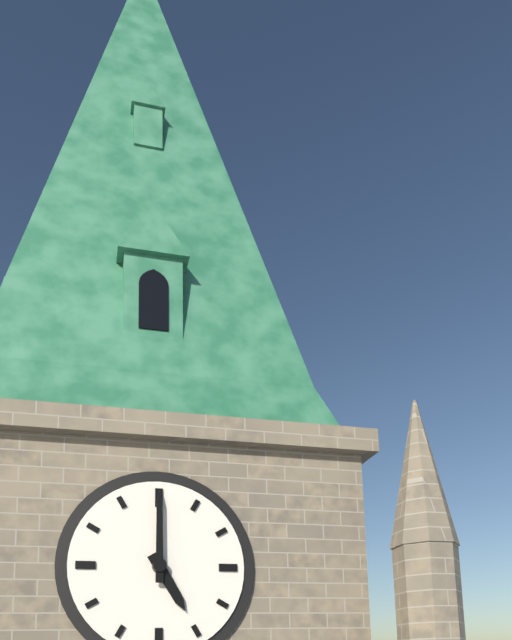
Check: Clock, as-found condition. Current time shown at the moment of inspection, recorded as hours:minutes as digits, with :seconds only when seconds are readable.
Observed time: 5:00
